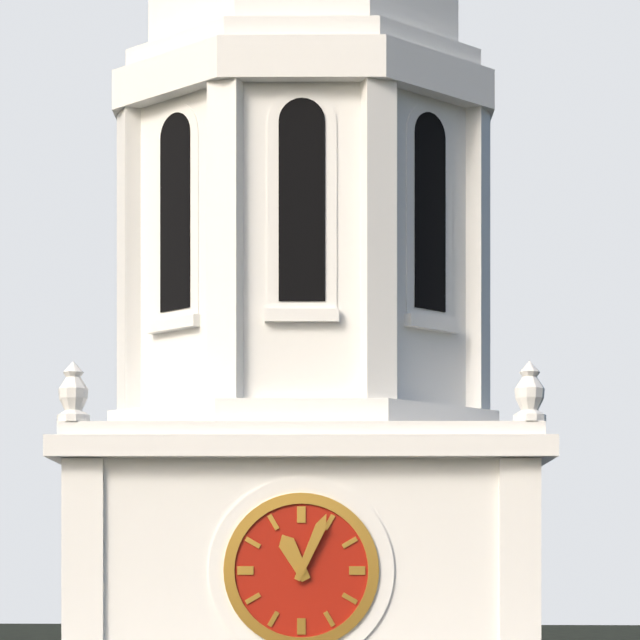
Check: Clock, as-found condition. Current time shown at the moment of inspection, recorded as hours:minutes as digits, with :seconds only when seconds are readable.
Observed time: 11:04
